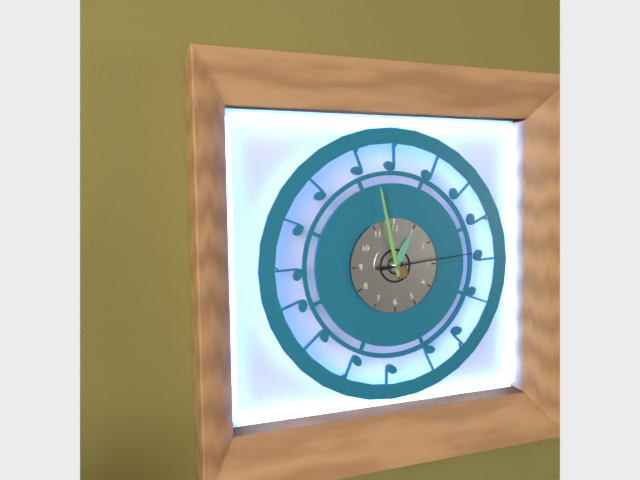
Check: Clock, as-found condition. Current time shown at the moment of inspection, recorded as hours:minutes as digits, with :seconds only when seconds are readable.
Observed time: 12:58:14
